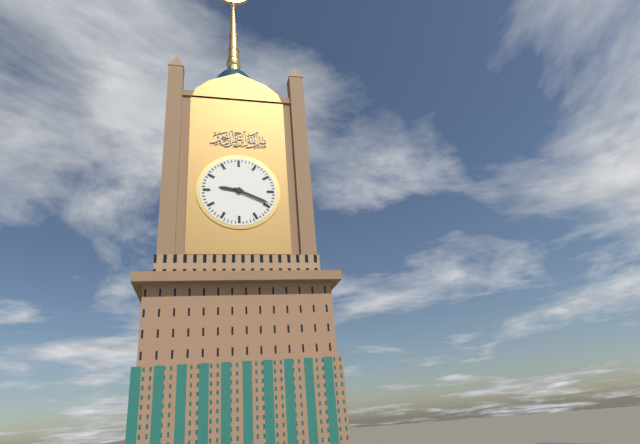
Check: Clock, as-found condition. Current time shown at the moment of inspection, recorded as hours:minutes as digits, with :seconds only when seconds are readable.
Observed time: 9:19
